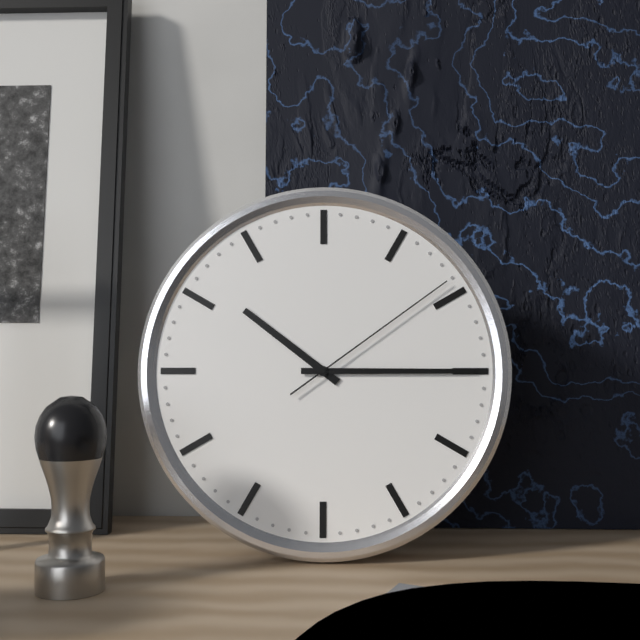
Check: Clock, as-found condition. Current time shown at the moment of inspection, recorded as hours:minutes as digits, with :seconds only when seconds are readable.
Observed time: 10:15:09
